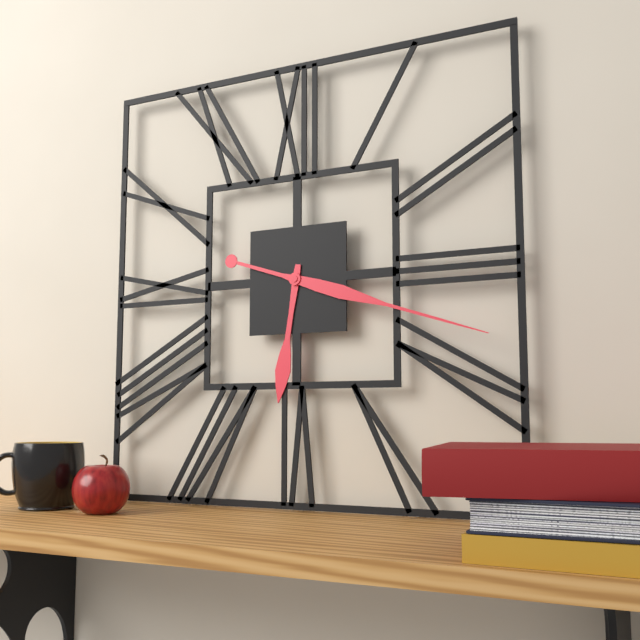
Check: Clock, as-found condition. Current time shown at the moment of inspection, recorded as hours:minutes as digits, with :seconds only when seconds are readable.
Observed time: 6:18
